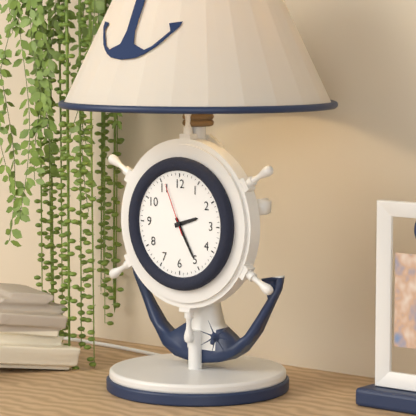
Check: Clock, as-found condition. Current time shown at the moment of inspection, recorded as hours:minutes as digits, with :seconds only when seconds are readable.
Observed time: 2:25:56
